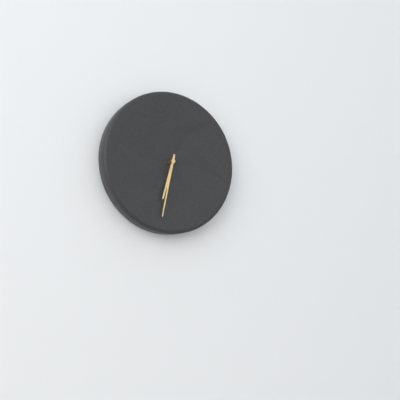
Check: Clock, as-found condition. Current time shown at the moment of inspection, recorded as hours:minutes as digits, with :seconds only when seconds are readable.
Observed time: 6:32
